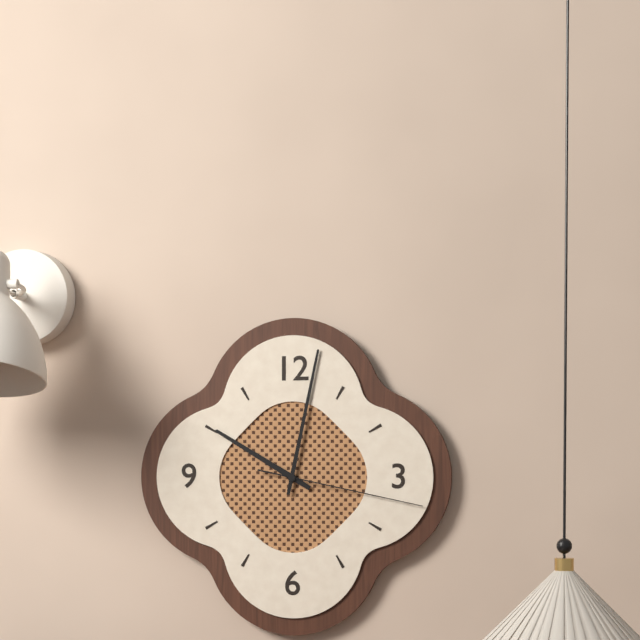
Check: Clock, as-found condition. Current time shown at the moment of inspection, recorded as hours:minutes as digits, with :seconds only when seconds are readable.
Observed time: 10:02:17
